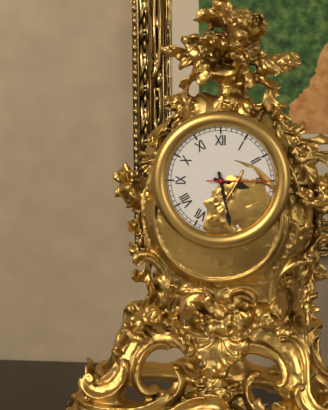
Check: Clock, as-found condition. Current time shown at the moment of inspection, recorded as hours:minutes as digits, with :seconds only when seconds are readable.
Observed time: 3:28:15
